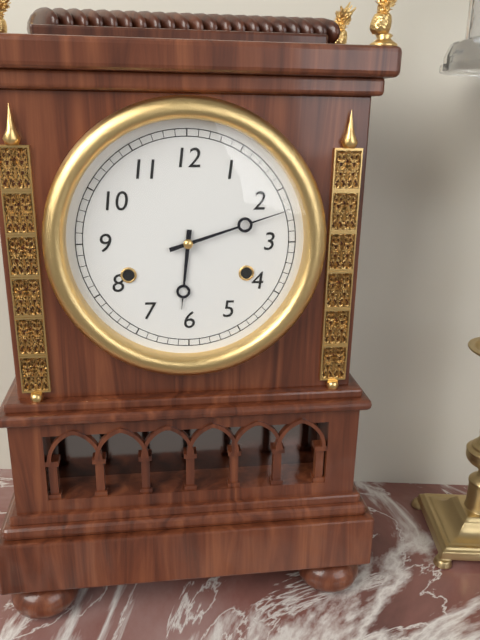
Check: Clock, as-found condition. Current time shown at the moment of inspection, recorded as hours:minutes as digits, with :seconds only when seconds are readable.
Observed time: 6:12
